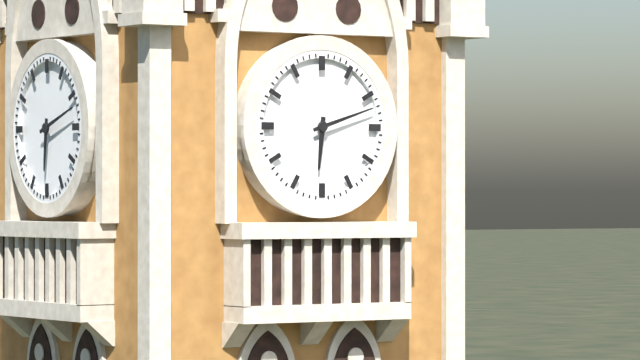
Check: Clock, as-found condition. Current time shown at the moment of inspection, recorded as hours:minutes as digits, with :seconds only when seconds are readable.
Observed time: 6:12
